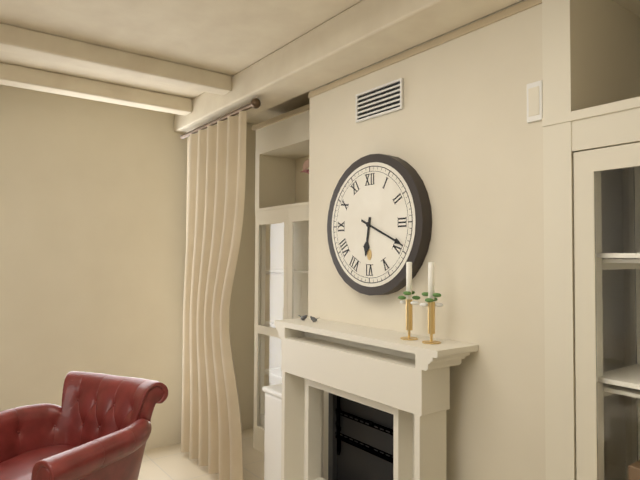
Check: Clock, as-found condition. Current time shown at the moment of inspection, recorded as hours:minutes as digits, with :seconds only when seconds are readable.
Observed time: 6:19
